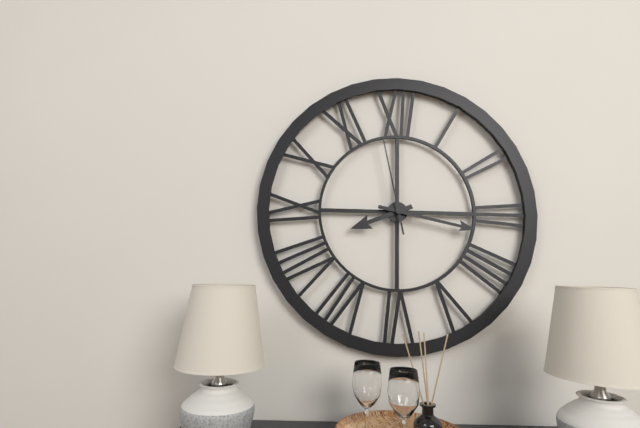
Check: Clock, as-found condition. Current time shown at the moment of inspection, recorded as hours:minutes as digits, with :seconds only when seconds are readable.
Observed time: 8:17:58
